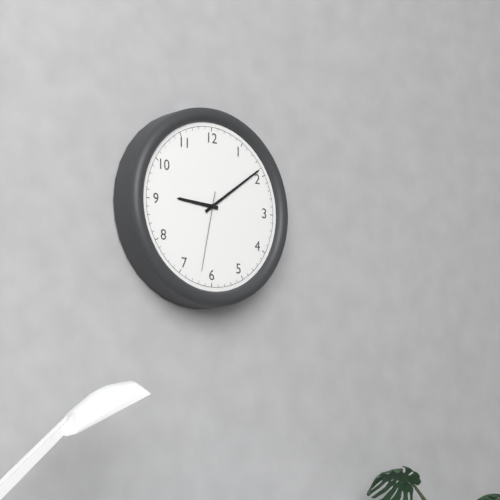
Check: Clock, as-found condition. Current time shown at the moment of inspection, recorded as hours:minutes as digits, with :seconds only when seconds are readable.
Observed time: 9:09:32
